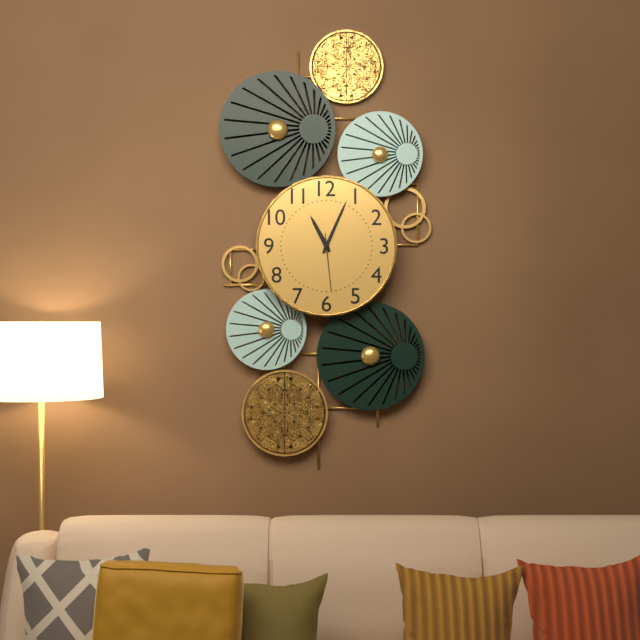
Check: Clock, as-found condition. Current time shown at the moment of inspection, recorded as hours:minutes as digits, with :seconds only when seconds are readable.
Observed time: 11:04:29
